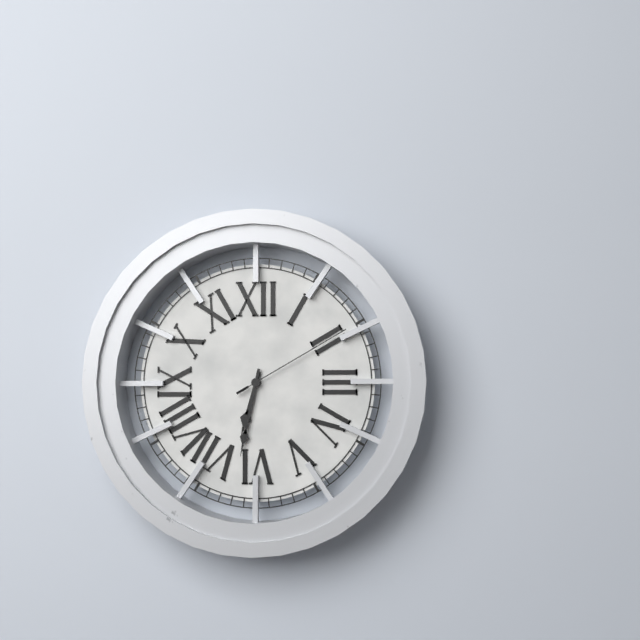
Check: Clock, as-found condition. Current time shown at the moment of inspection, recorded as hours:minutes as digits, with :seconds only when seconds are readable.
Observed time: 6:32:10
